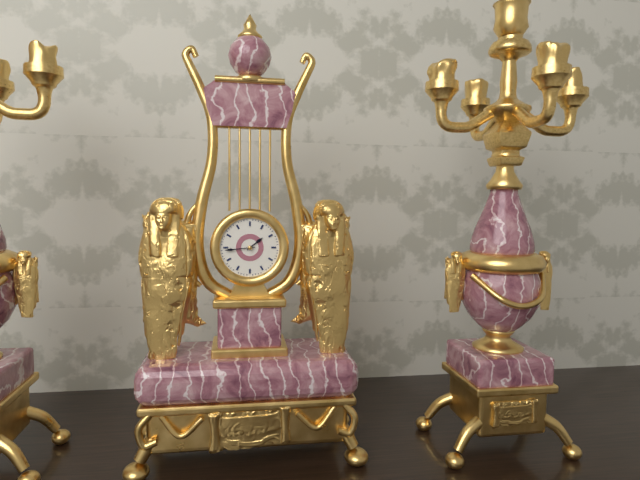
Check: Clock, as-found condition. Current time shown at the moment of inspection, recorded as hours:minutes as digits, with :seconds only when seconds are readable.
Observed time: 1:44
